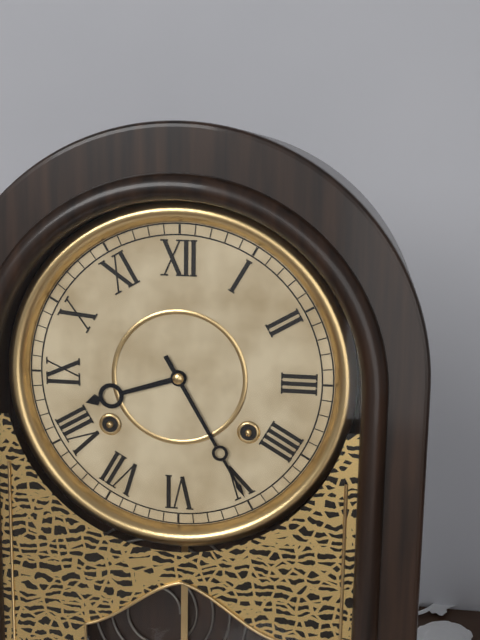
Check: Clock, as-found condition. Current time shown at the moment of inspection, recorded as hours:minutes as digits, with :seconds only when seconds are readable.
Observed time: 8:25
